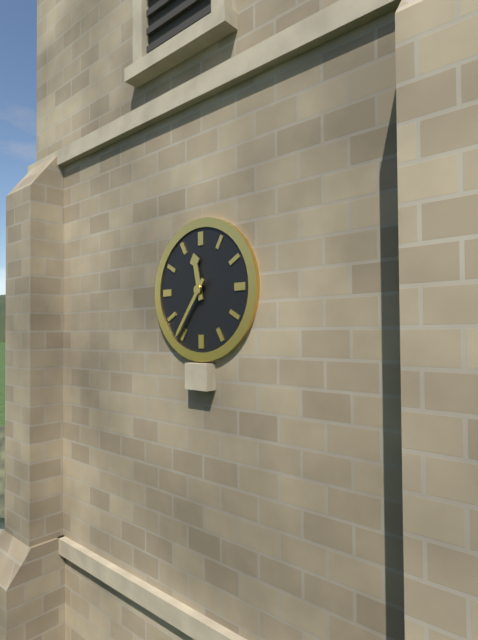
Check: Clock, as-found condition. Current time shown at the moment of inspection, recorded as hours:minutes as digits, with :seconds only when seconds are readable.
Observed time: 11:36
